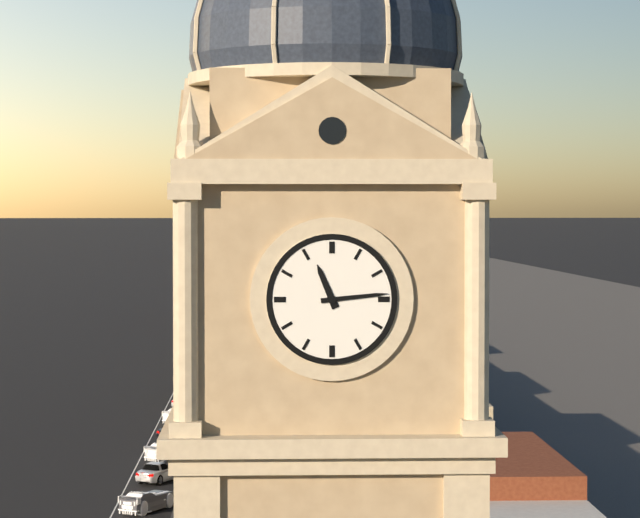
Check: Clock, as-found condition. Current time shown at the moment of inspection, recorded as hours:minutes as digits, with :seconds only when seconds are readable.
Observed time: 11:14
